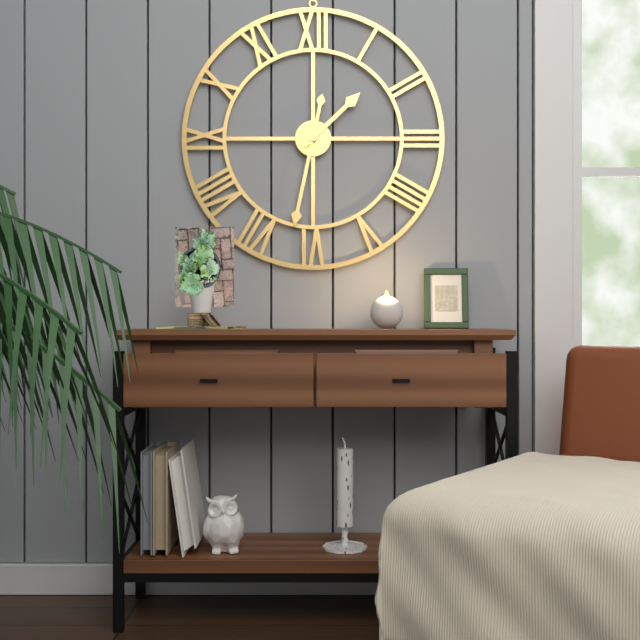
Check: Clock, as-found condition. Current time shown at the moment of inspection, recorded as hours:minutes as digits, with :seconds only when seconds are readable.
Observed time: 1:32
